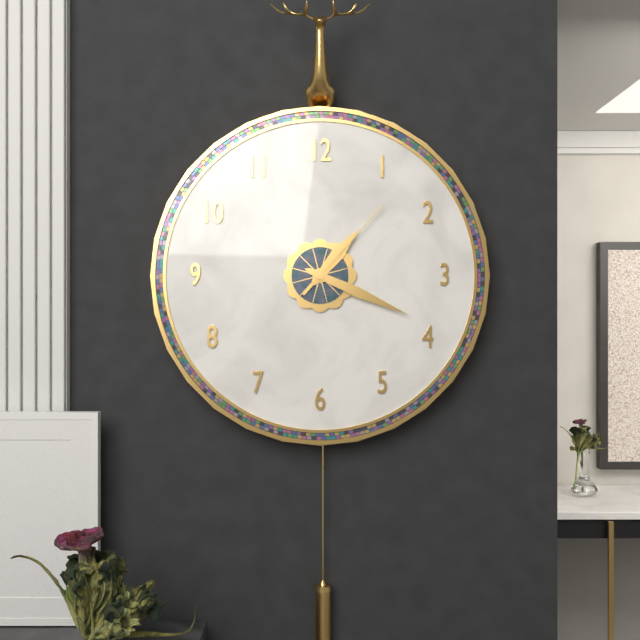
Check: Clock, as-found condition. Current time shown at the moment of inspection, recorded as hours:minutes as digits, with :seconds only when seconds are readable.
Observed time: 1:19:07
